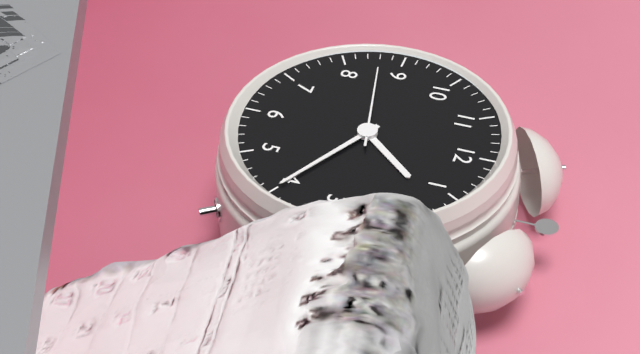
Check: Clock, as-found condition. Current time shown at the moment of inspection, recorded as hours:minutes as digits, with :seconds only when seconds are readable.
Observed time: 1:20:43
